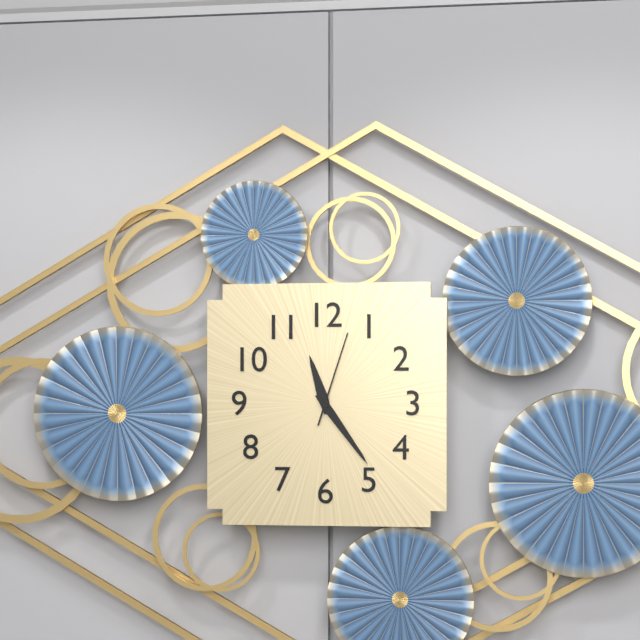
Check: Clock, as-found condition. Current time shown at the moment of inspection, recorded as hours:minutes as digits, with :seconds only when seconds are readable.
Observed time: 11:24:03
